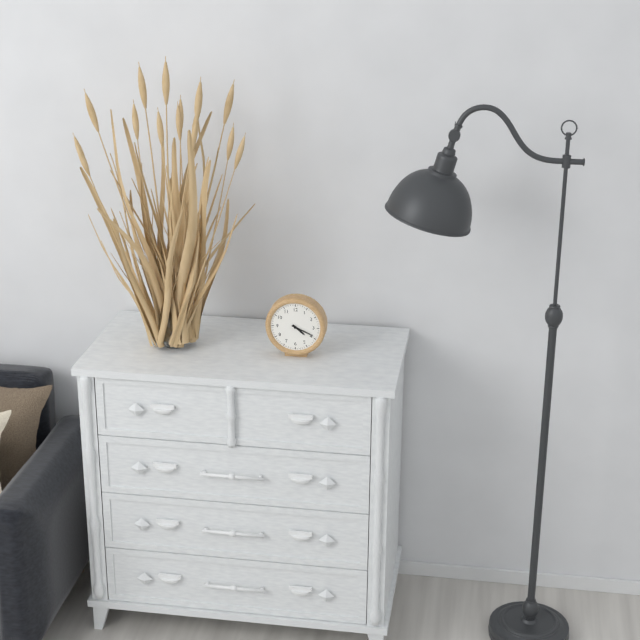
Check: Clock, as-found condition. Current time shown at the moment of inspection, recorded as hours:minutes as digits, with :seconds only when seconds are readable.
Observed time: 4:19
